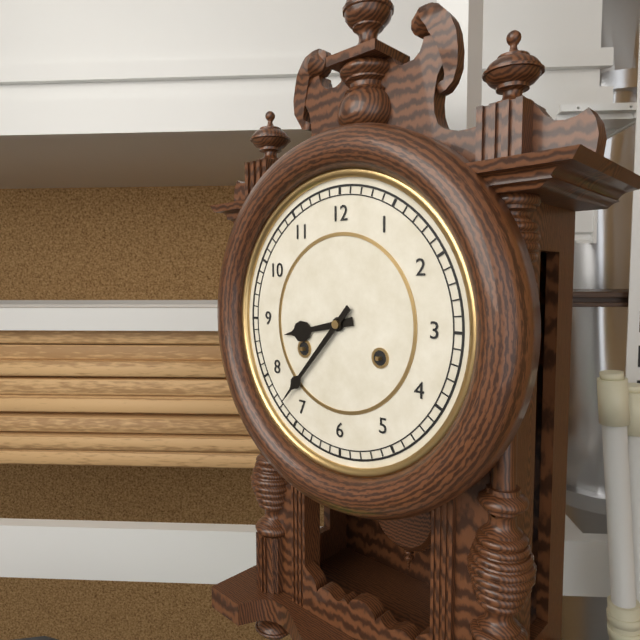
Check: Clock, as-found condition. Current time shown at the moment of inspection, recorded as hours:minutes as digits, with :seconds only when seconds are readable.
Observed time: 8:37
